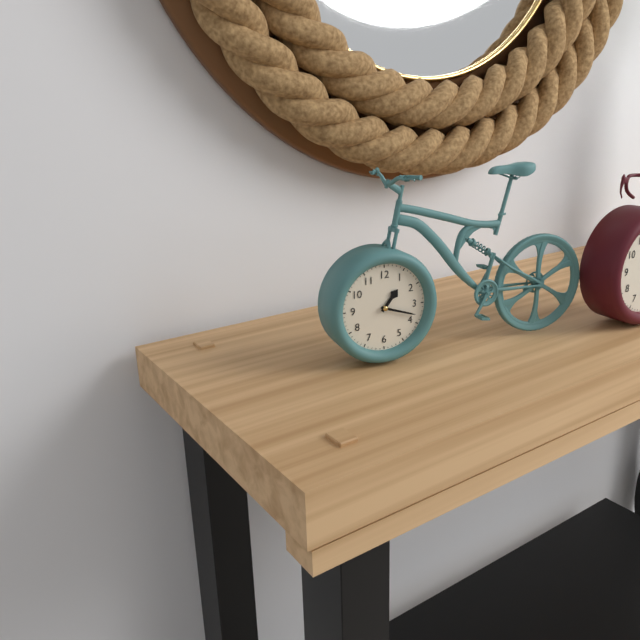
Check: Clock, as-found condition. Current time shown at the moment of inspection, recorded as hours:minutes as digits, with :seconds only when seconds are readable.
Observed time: 1:18
